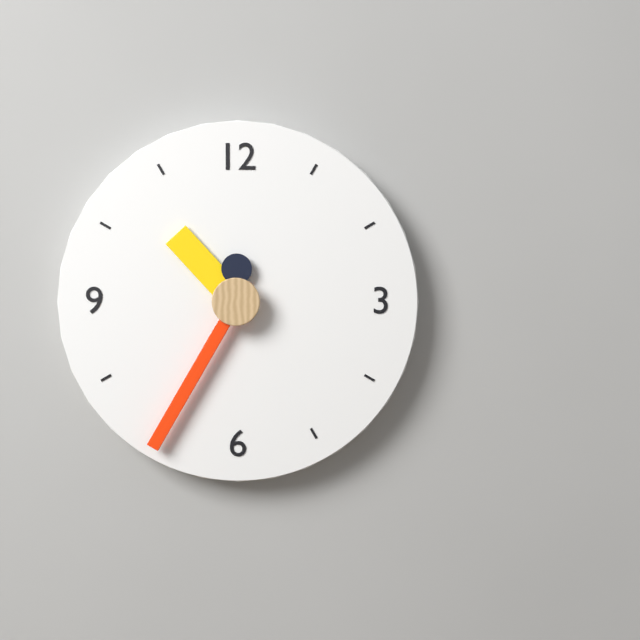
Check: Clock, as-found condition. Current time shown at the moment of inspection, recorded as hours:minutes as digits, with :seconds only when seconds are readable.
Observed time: 10:35
